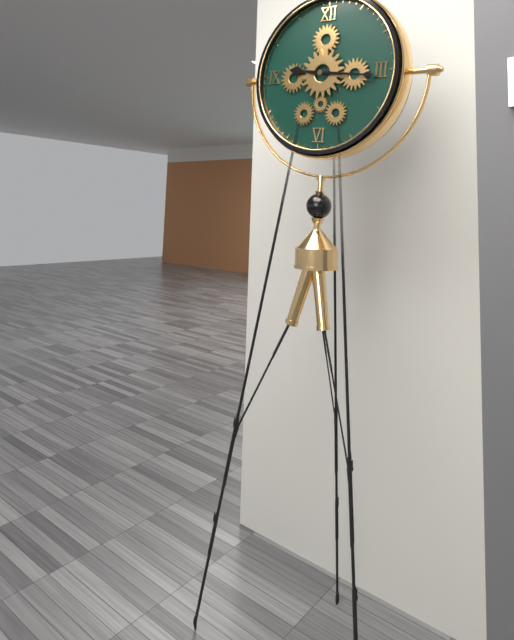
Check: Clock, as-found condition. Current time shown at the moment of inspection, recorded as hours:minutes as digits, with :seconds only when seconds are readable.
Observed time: 9:16
